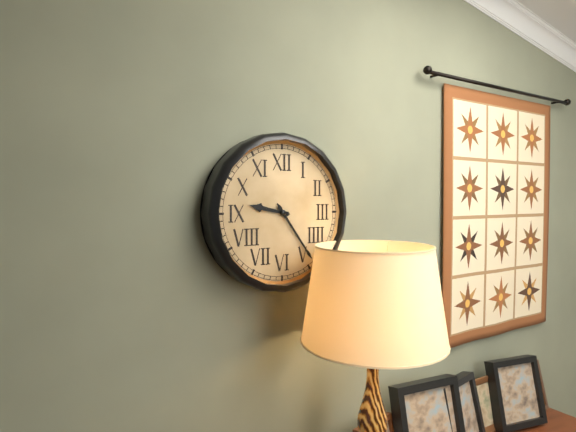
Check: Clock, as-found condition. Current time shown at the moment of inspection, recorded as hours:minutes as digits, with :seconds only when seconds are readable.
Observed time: 9:24
